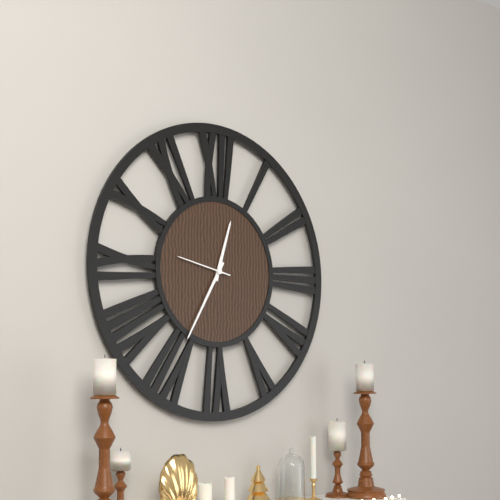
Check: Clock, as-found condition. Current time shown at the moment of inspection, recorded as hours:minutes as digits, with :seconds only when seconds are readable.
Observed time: 12:35
